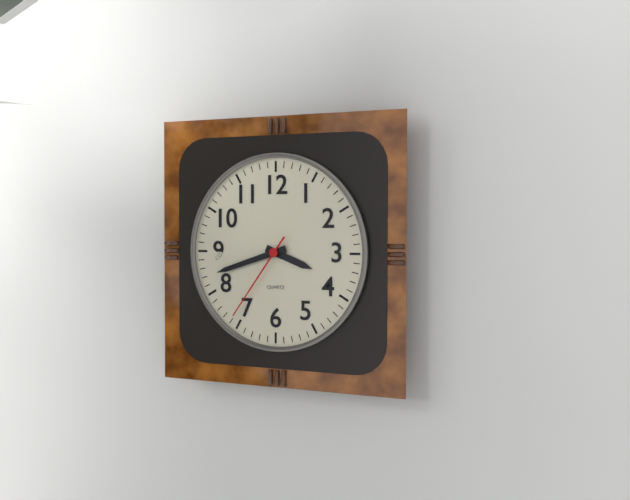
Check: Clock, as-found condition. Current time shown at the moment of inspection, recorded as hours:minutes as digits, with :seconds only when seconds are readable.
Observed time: 3:42:36
